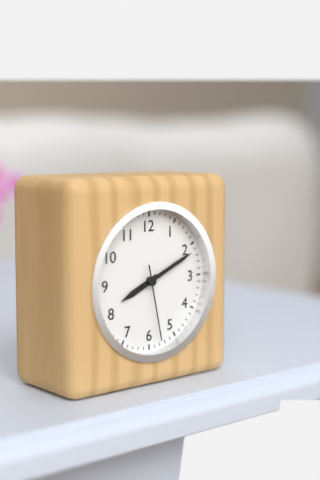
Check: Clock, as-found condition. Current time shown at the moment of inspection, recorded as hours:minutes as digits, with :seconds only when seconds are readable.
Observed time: 8:11:28
